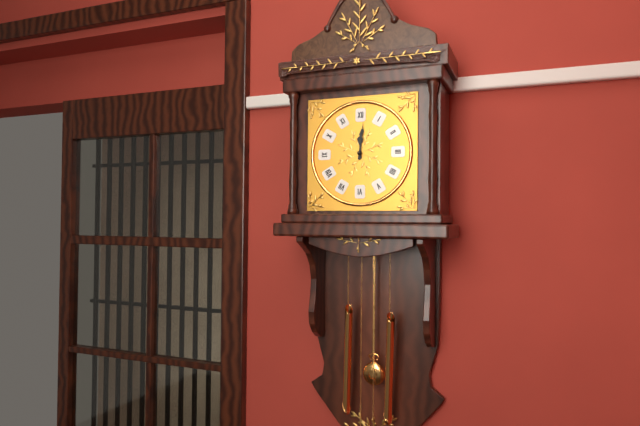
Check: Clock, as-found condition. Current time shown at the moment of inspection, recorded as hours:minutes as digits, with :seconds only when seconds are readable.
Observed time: 12:01
